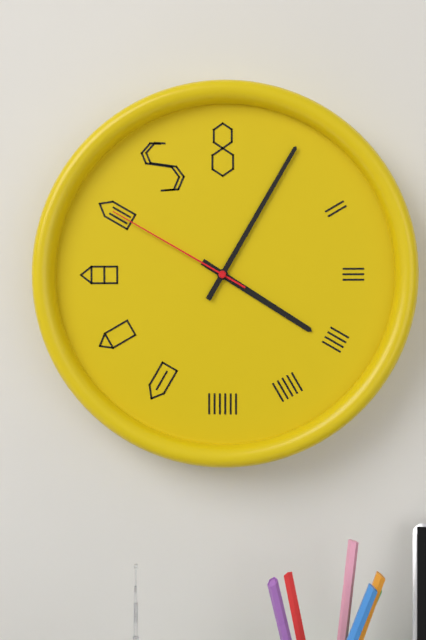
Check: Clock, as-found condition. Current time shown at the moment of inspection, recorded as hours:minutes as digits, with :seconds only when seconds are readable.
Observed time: 4:05:50
